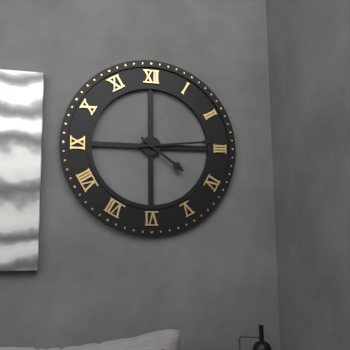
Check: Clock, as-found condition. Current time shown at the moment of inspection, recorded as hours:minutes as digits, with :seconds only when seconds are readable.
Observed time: 4:14
